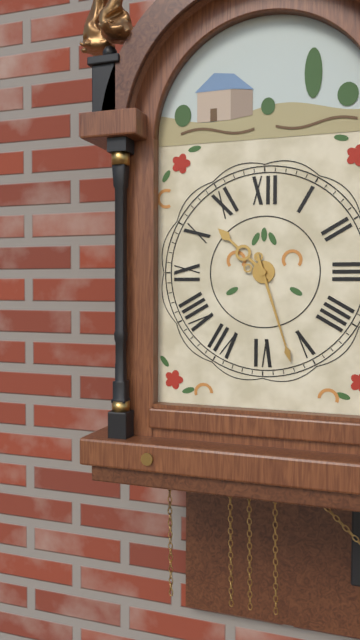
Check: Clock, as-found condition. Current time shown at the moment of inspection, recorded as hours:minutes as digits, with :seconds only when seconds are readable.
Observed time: 10:27
